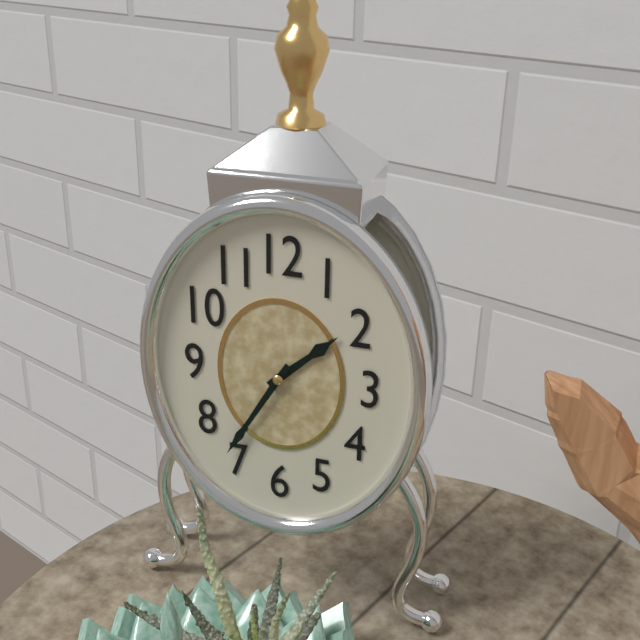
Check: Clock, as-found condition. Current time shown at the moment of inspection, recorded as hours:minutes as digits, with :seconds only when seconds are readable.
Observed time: 1:35
